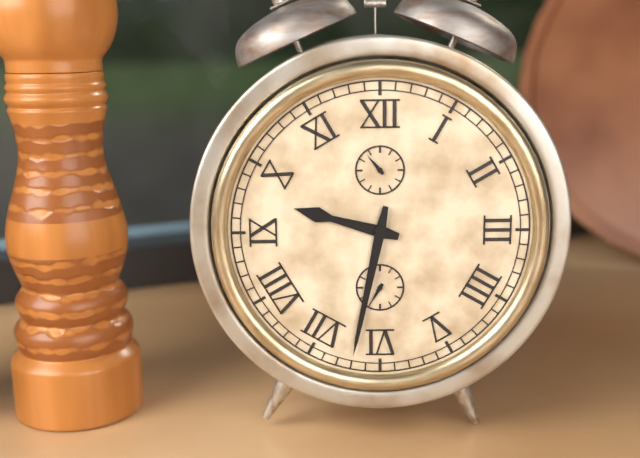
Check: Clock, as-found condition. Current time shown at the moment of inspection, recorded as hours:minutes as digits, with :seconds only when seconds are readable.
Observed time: 9:32
